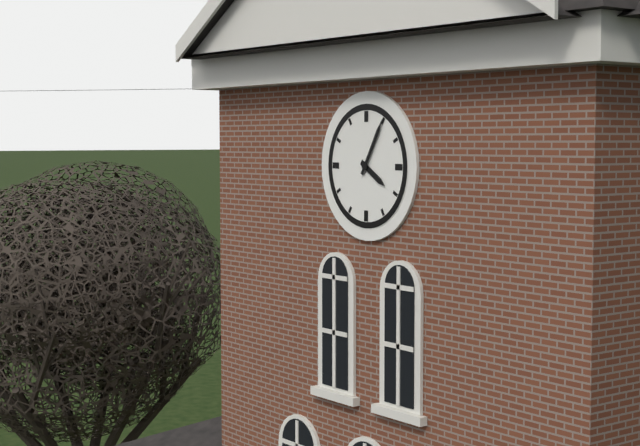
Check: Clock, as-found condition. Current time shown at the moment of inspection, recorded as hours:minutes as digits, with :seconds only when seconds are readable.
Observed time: 4:05
